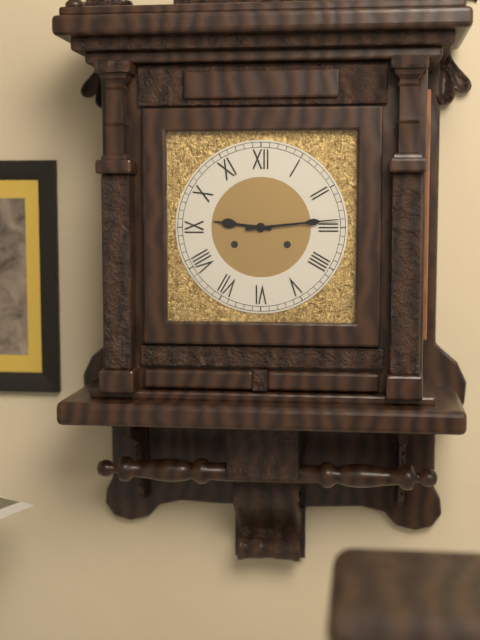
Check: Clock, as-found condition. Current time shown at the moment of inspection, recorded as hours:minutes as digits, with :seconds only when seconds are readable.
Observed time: 9:14
